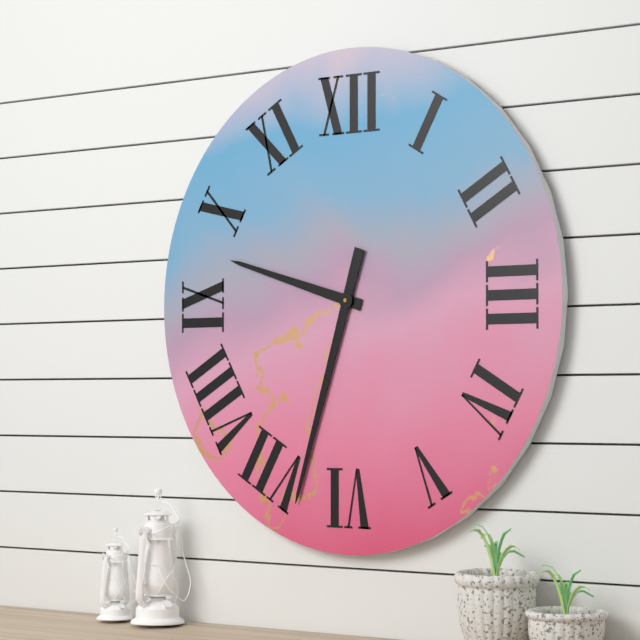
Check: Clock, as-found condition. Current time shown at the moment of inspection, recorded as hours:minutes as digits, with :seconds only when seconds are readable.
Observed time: 9:33
